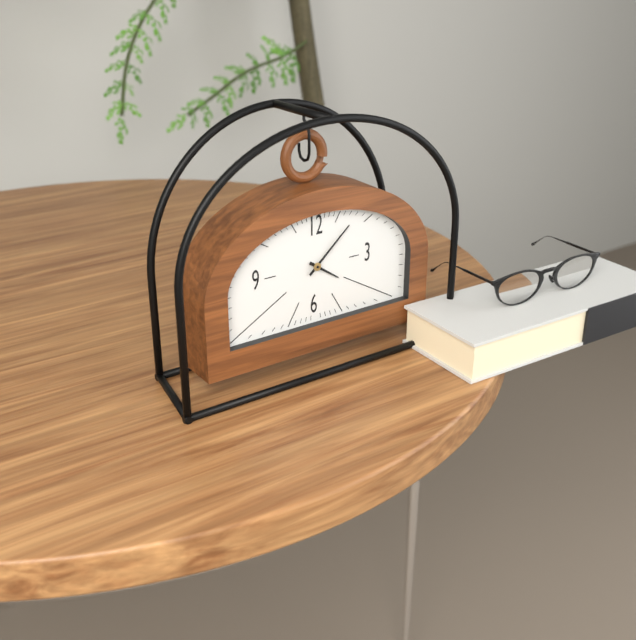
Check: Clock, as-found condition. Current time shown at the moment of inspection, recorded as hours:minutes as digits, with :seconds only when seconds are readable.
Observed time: 4:08
